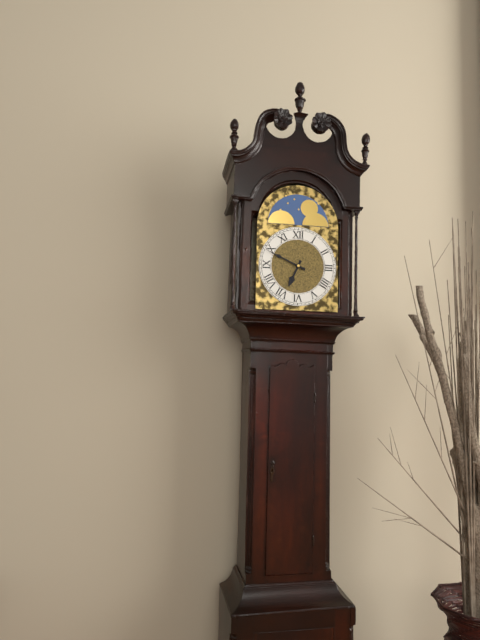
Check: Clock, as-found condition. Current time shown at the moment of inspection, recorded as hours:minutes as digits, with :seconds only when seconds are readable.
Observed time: 6:49
